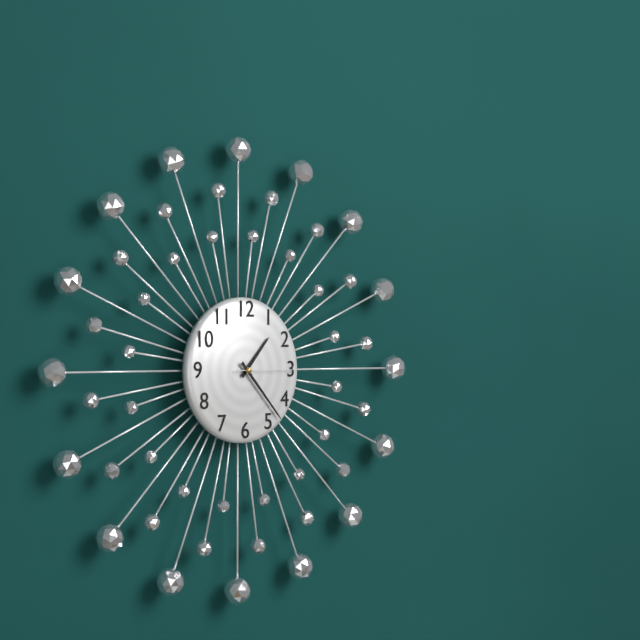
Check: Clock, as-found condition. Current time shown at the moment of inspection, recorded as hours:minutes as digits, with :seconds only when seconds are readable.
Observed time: 1:23:15
